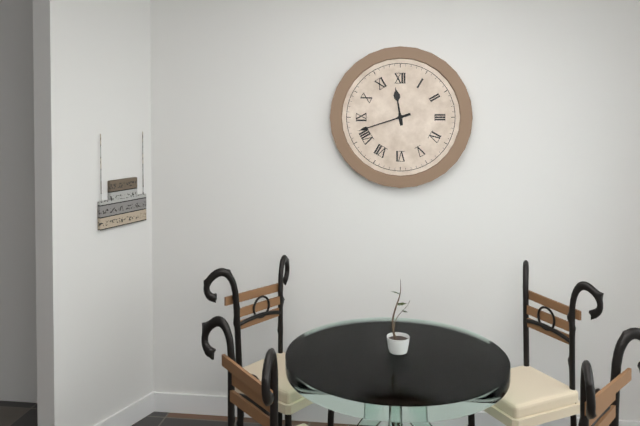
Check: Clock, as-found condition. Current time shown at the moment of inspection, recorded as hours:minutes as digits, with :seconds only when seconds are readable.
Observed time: 11:42
